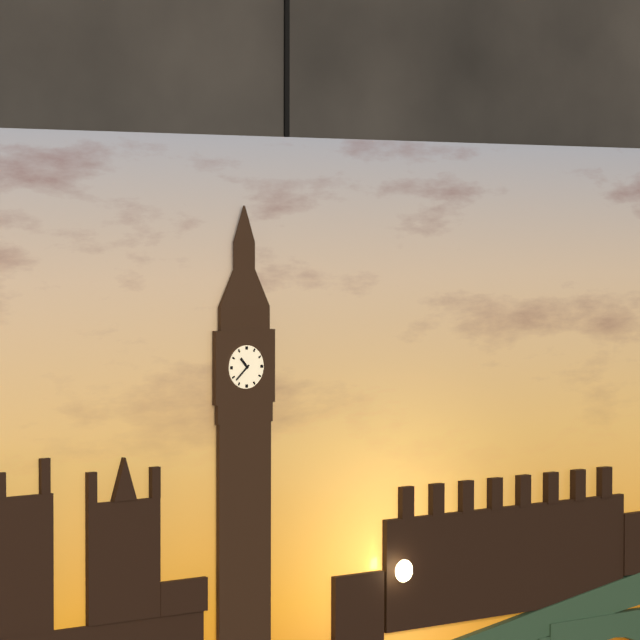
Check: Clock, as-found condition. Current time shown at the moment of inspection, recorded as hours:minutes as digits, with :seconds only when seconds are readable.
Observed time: 10:38
